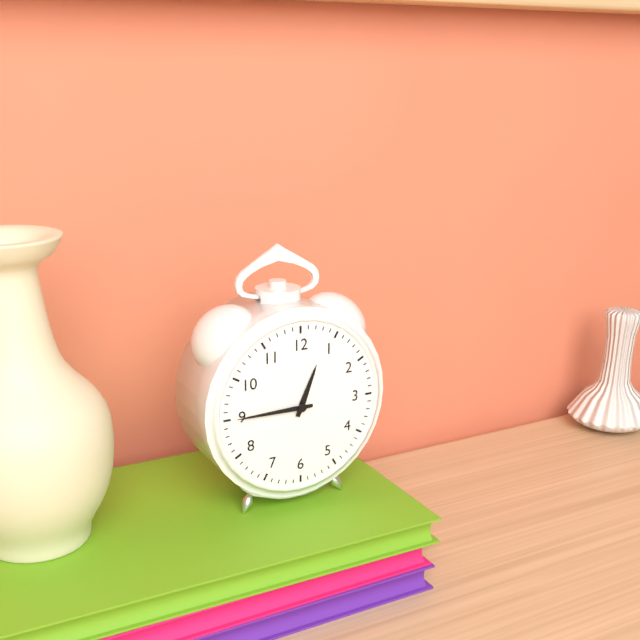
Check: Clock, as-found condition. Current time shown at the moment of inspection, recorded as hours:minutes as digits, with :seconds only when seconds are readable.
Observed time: 12:45
